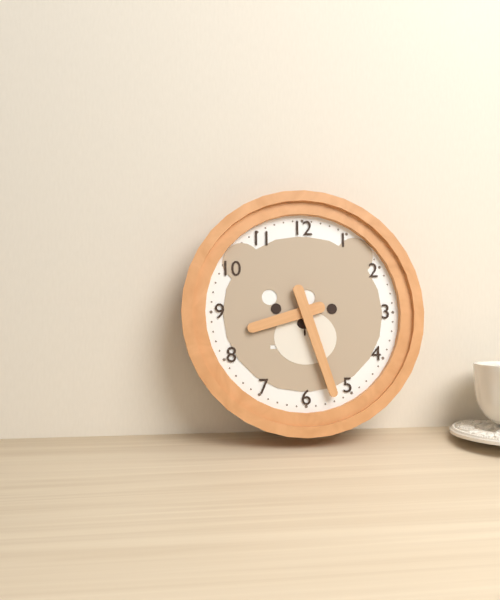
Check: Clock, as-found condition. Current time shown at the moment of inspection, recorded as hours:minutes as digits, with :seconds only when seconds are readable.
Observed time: 8:27
